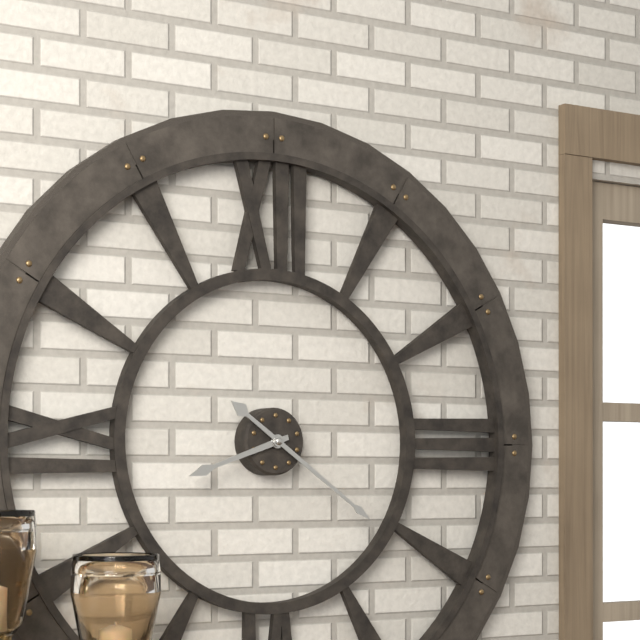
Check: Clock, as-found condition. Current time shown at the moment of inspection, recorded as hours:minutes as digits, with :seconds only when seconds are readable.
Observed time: 8:21
